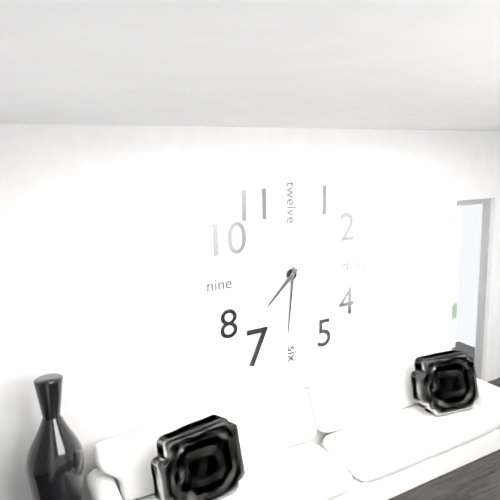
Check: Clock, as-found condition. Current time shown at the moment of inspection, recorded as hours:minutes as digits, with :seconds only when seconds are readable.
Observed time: 7:31
